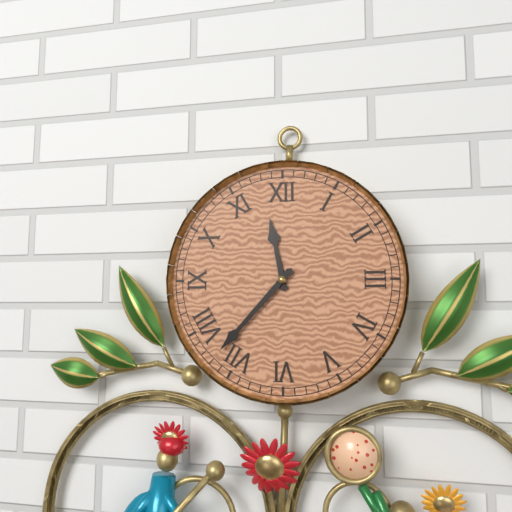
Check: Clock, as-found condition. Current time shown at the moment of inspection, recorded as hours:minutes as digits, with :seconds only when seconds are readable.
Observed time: 11:37
